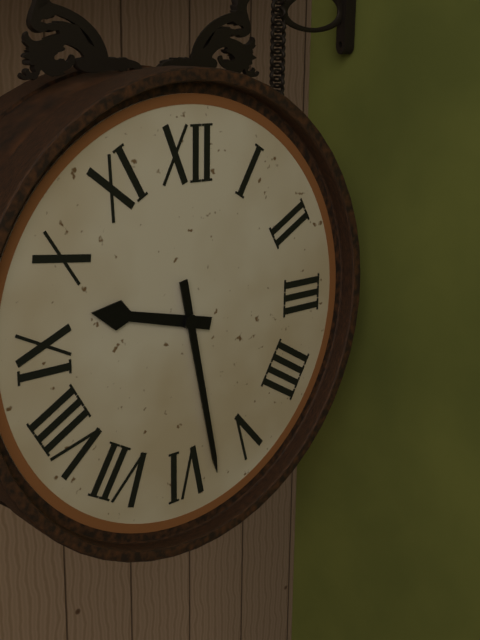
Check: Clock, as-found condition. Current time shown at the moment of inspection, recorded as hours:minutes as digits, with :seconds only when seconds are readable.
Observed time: 9:28
